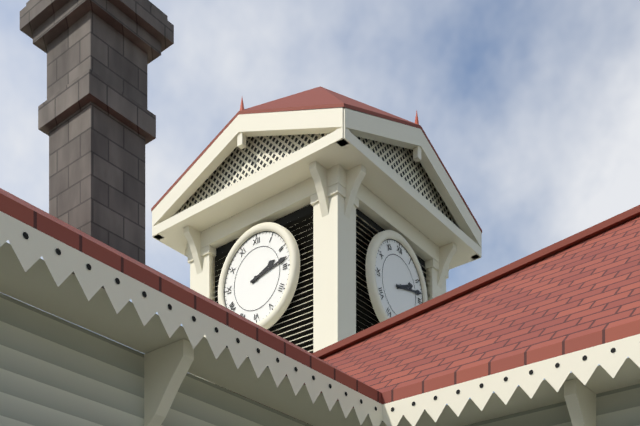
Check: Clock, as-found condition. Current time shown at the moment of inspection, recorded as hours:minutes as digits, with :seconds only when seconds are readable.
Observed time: 2:13
